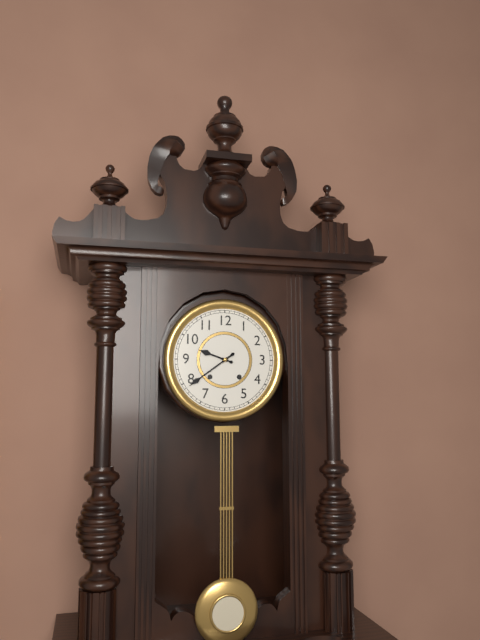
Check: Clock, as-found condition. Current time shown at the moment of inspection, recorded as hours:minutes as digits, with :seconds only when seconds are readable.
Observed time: 9:39
